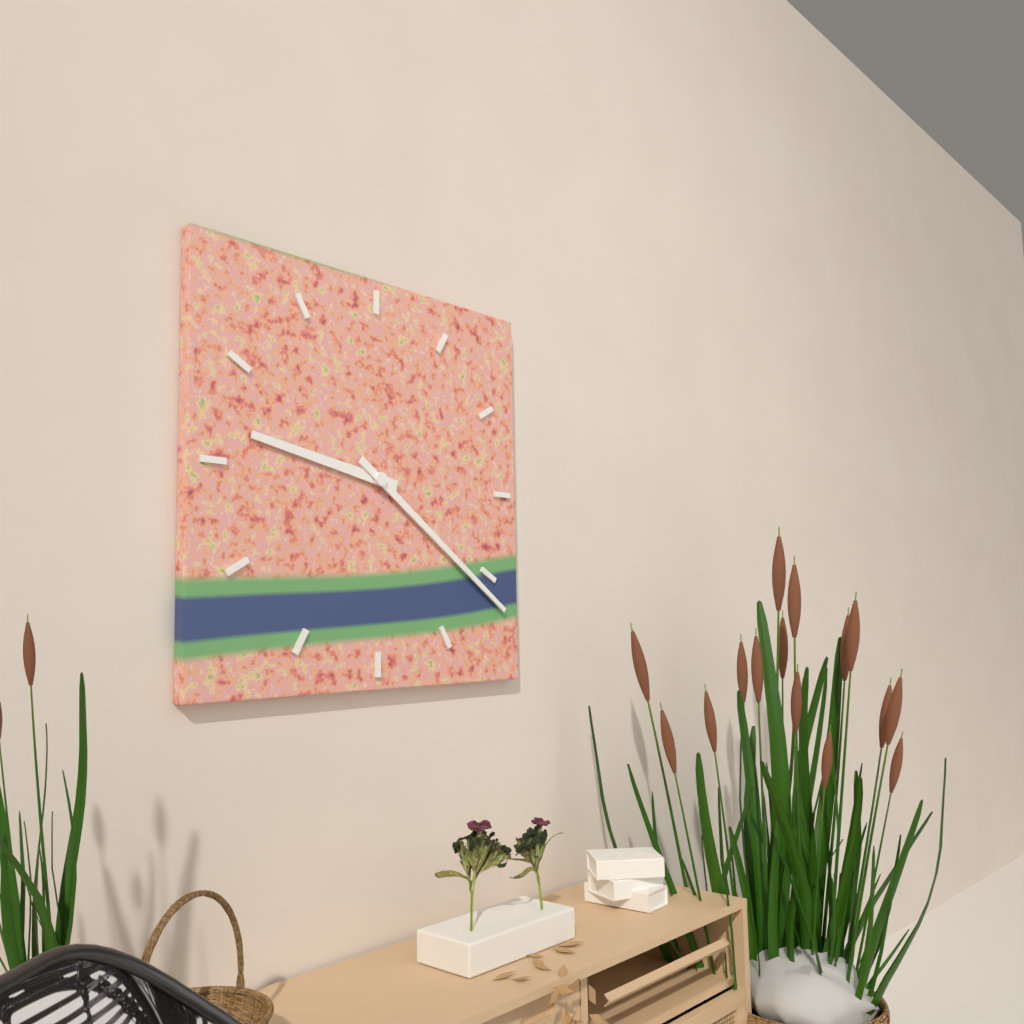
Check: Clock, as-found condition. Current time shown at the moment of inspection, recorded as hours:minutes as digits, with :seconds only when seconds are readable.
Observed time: 9:21
